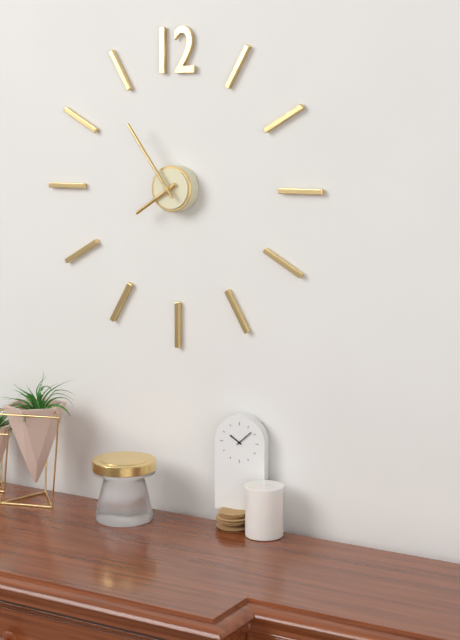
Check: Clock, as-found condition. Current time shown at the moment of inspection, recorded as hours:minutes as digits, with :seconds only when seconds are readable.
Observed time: 7:54
